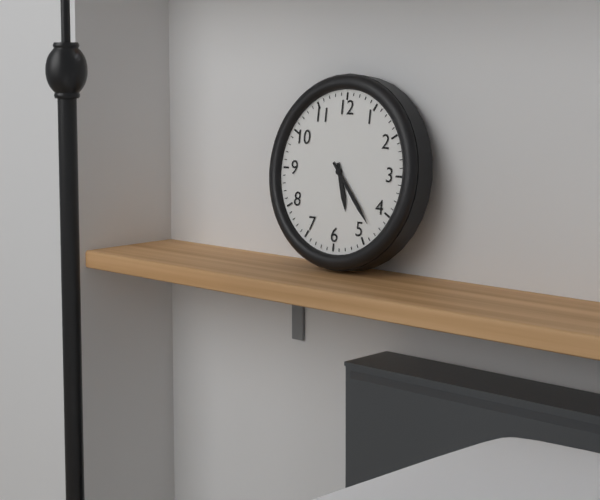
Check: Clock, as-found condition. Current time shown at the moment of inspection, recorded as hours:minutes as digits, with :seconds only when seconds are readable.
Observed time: 5:23
